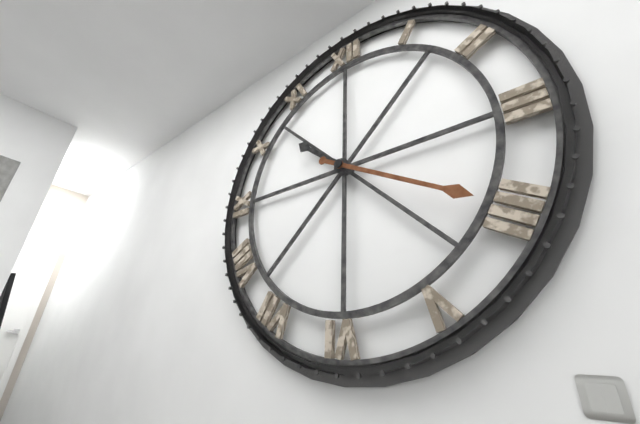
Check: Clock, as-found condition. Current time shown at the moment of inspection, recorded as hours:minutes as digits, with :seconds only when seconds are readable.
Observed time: 10:20
